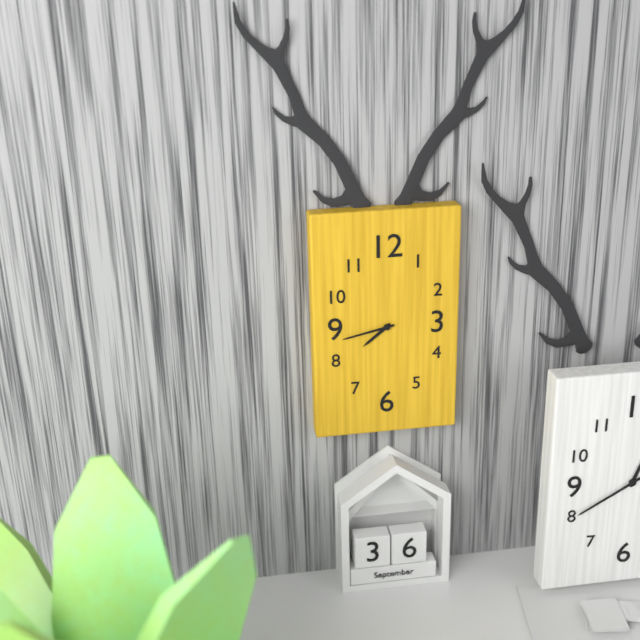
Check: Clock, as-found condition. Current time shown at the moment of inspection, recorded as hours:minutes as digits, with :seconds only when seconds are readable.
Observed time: 7:43
